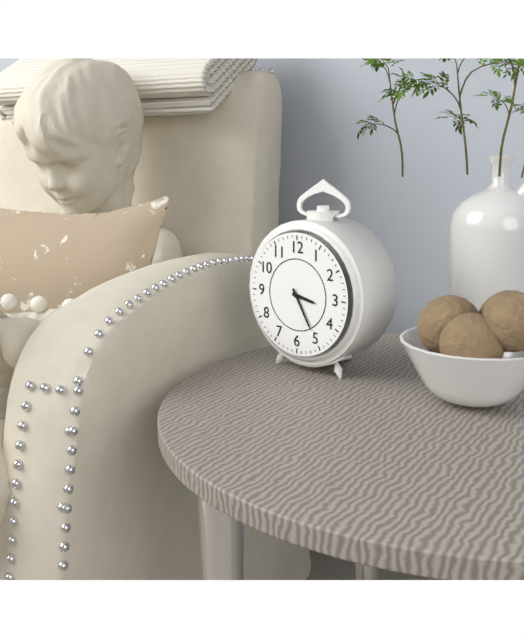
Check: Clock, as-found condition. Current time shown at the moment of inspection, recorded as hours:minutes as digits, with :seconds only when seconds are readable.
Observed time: 3:25
